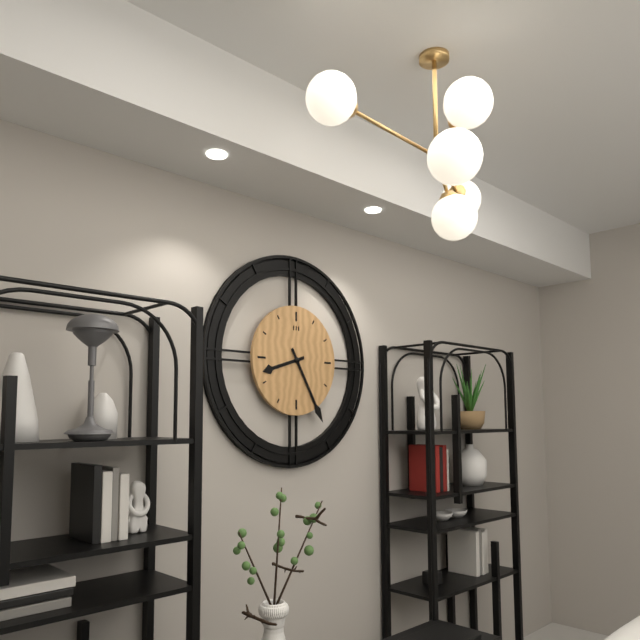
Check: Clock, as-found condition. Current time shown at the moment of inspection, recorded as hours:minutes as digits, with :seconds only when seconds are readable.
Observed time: 8:25
